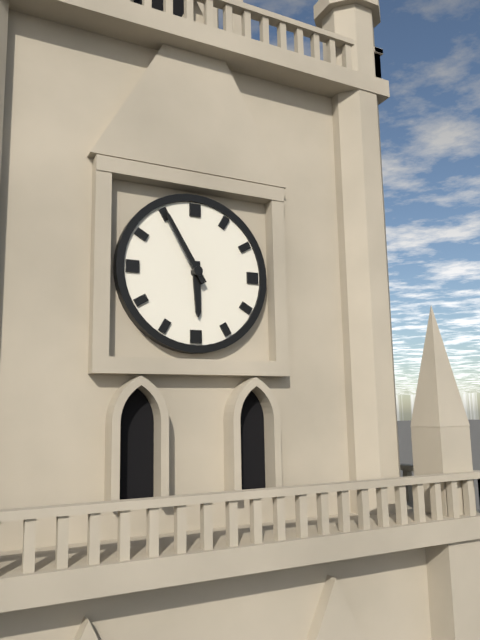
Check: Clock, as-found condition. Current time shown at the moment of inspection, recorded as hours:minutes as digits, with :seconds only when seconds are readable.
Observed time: 5:55
